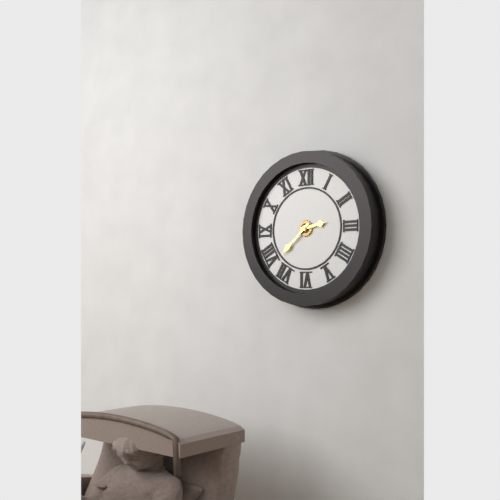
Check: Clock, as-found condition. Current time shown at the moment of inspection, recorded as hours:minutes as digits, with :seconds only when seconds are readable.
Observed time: 2:38
